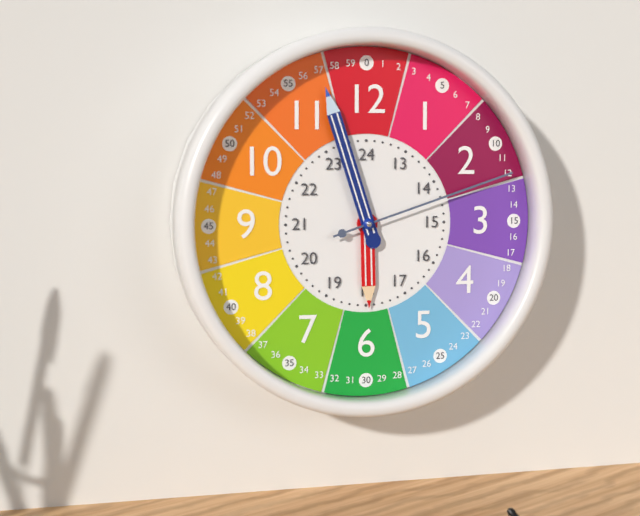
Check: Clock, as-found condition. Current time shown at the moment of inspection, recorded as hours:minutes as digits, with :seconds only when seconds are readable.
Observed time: 5:57:12
